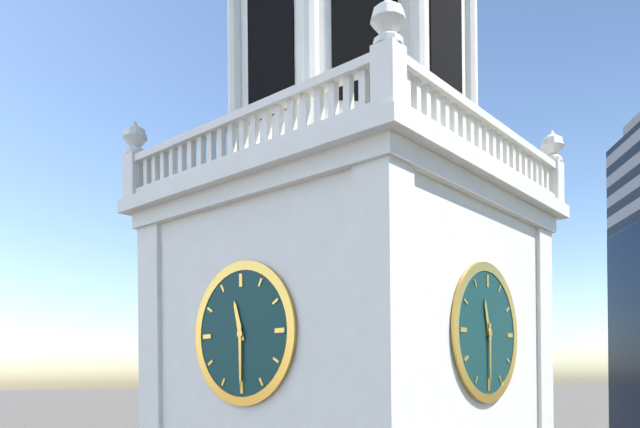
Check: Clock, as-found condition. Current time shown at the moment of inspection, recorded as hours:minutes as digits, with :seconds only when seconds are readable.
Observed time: 11:30
